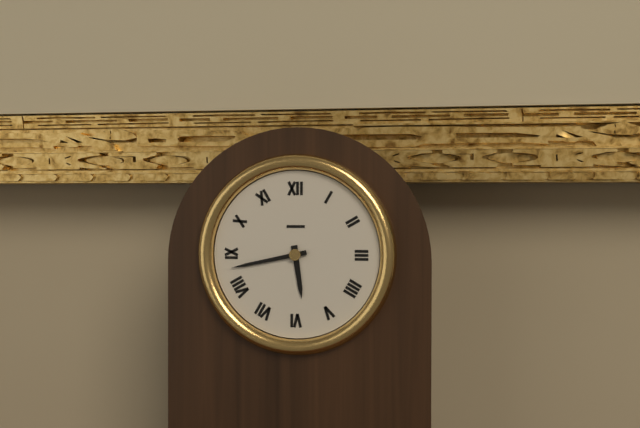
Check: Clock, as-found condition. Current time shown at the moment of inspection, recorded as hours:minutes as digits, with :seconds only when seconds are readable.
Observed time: 5:43
